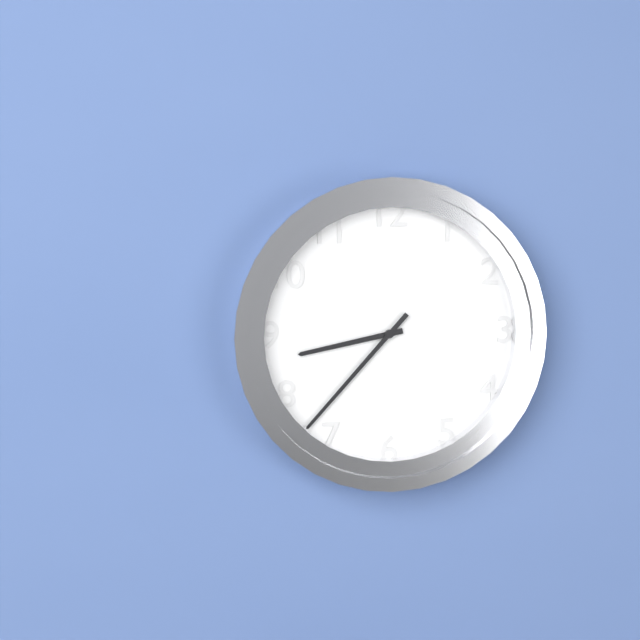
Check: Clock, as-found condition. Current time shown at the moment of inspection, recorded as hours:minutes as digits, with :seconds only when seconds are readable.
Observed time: 8:37
